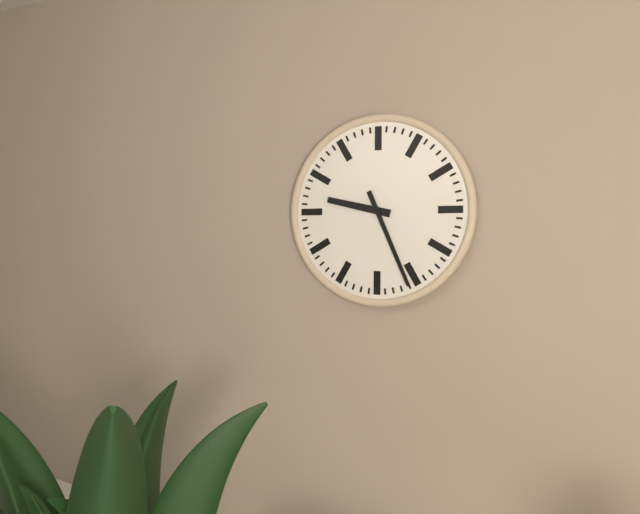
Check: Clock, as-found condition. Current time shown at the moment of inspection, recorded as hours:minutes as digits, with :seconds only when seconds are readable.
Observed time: 9:26
